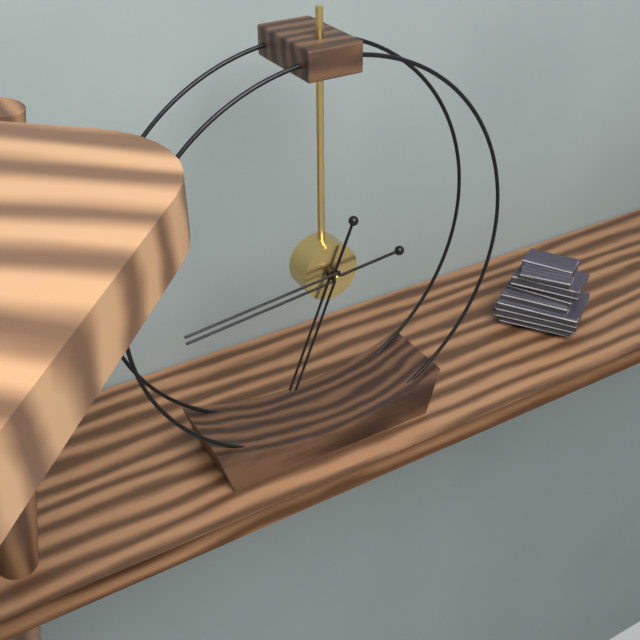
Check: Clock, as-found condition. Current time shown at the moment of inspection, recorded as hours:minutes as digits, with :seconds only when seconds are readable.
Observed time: 6:44
